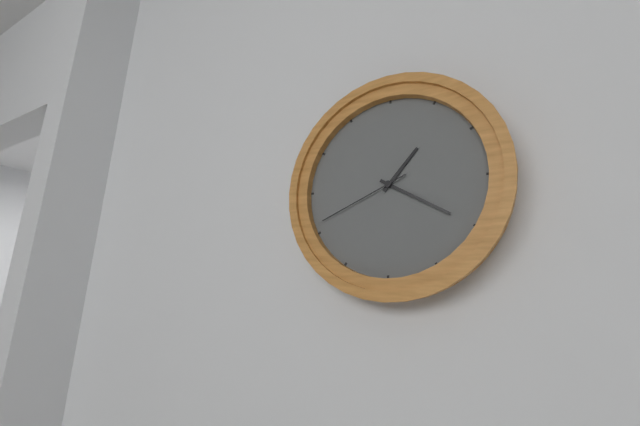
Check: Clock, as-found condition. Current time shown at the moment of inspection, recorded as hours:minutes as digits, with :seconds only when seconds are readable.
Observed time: 1:20:41
